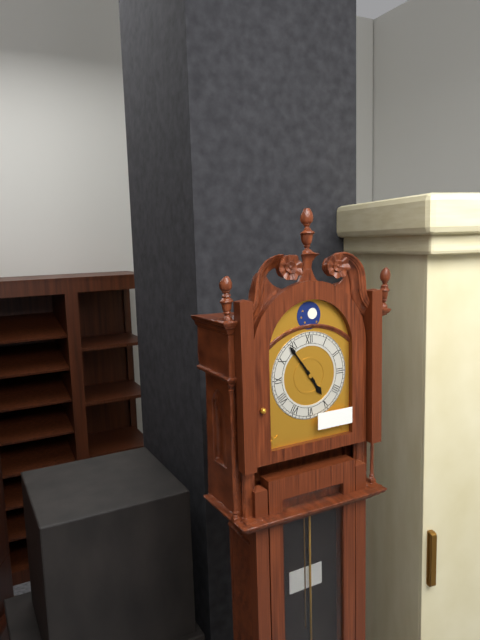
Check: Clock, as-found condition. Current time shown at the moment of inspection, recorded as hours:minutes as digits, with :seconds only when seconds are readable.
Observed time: 4:54
